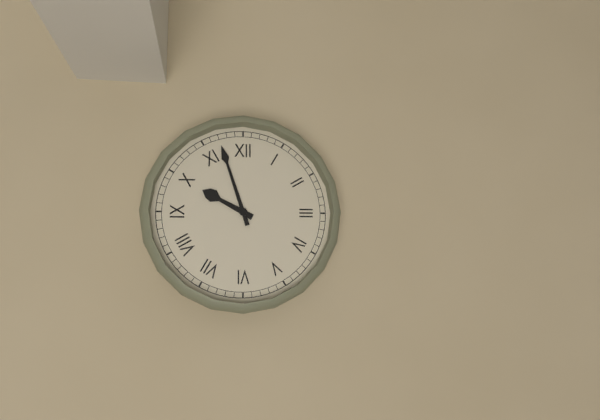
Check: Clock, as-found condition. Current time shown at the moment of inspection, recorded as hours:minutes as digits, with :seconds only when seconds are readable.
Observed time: 9:57
